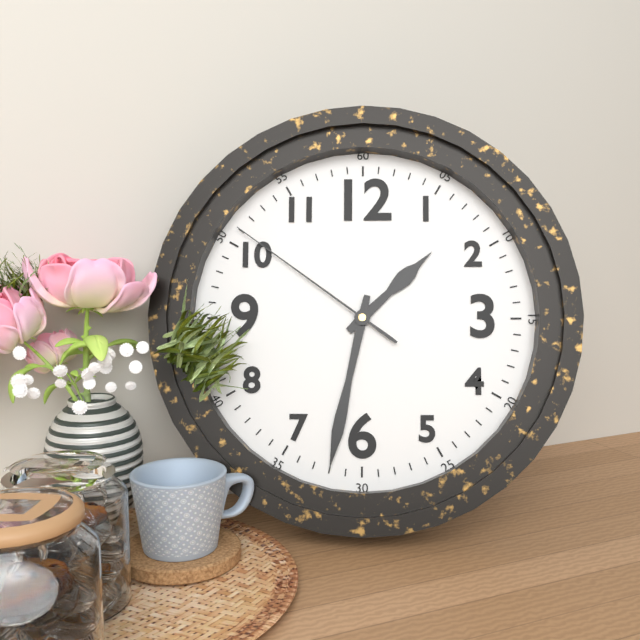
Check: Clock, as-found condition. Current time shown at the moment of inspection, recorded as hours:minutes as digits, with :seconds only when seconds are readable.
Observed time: 1:32:51
